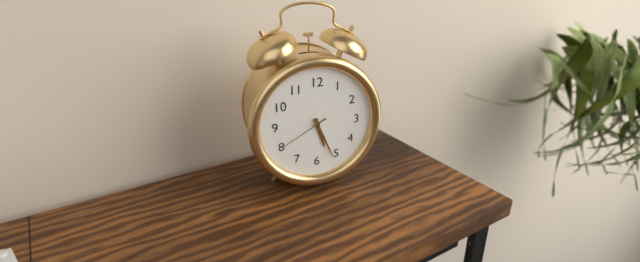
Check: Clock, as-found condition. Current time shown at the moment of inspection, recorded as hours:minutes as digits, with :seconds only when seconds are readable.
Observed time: 5:26:40
